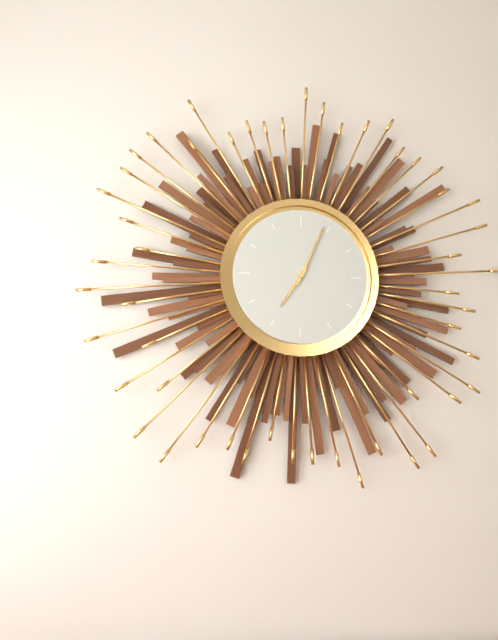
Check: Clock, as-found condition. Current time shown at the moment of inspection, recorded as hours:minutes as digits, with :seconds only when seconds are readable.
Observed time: 7:04
